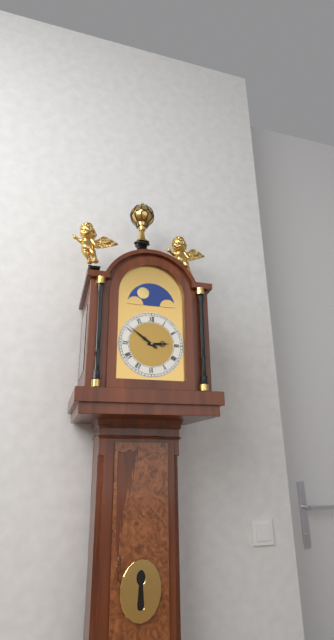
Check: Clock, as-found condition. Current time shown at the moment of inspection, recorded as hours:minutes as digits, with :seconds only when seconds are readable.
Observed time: 2:51
